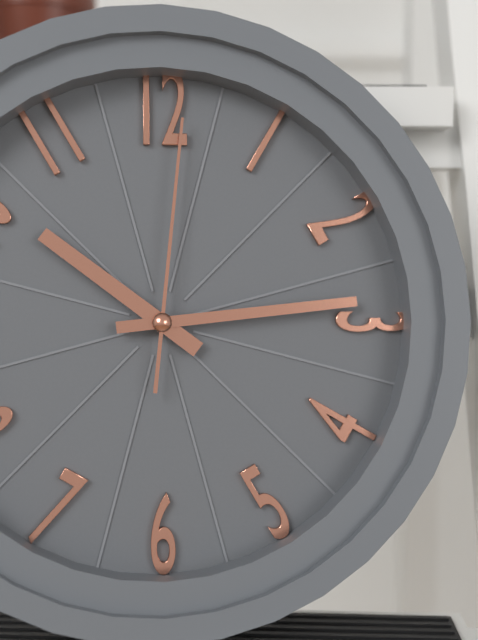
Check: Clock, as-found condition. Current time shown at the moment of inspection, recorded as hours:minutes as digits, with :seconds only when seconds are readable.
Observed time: 10:14:01
